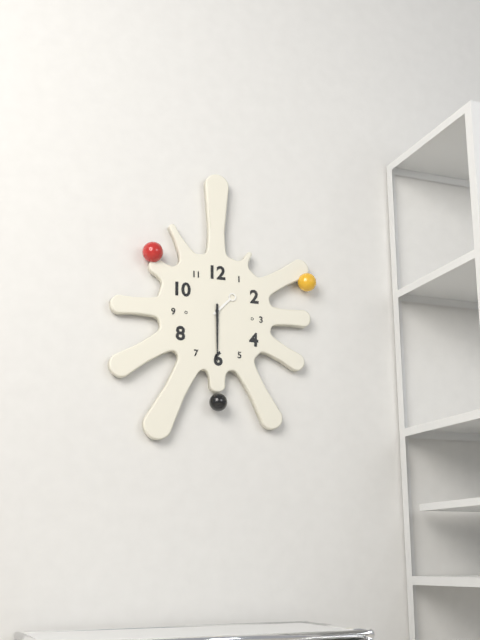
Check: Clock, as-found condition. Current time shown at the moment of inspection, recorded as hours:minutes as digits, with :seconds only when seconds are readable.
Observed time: 1:30
